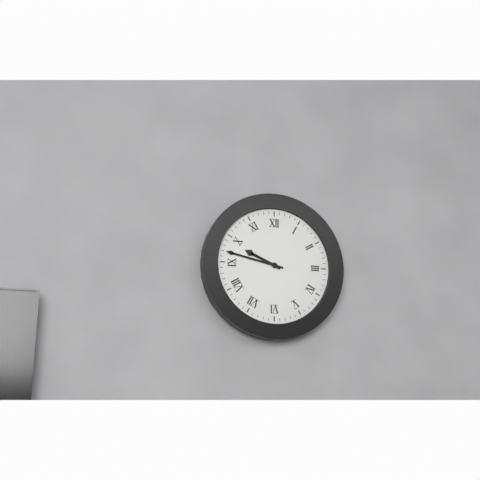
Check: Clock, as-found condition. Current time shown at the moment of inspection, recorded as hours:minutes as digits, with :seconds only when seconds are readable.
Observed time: 9:47
